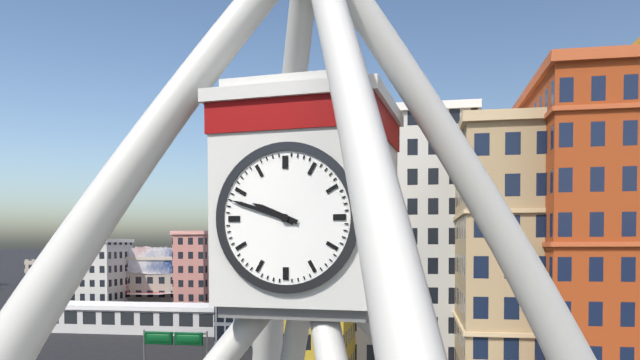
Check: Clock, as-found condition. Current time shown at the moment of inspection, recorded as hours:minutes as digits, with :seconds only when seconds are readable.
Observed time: 9:48
